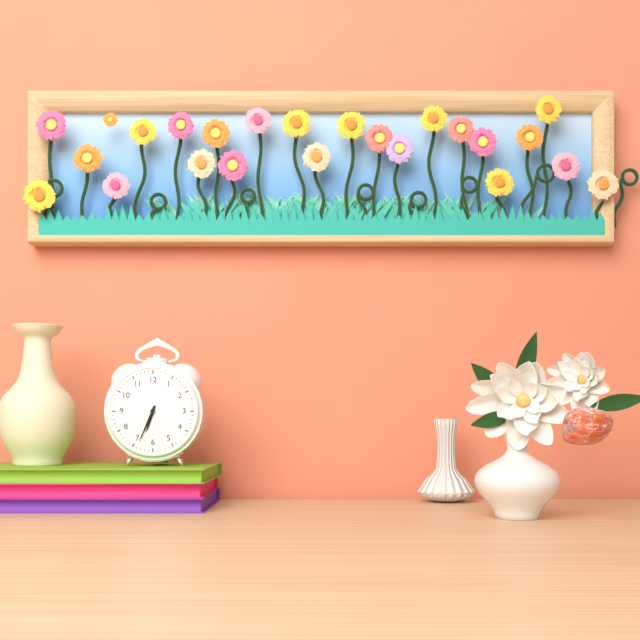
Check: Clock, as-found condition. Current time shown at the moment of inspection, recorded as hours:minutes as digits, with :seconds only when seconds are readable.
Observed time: 6:34
